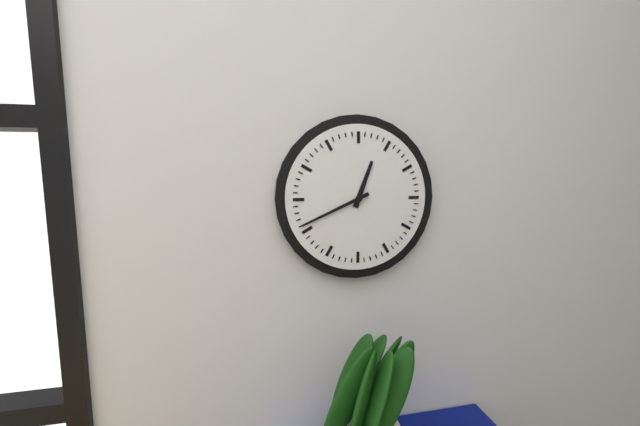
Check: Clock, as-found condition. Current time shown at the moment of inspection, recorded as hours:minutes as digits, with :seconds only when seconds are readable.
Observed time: 12:41
